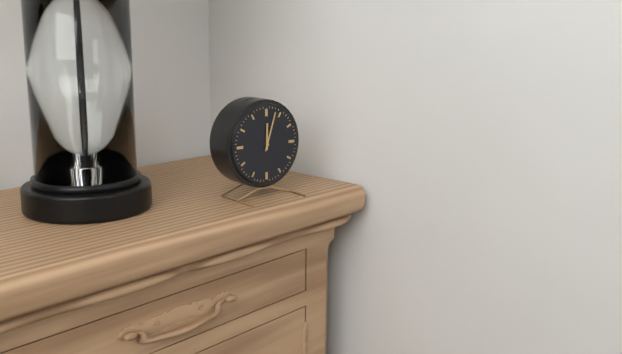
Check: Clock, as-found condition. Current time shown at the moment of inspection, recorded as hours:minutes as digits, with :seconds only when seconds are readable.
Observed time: 12:03
